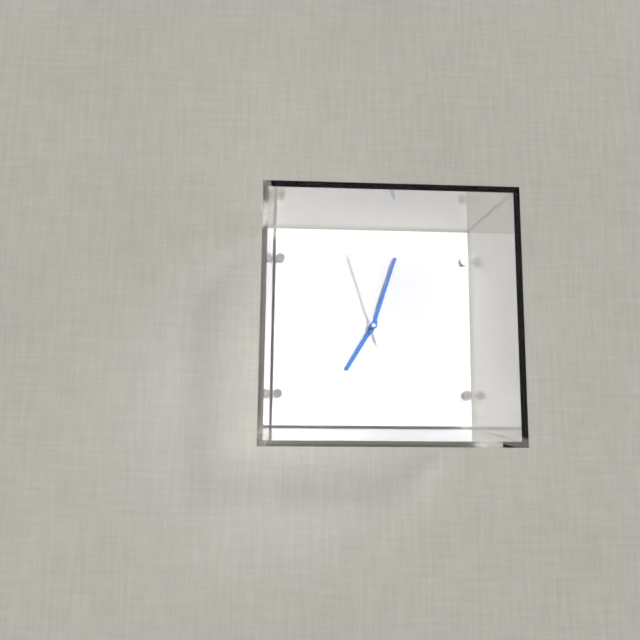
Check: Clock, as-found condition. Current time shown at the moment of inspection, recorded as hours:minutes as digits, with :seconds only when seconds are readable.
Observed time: 7:03:57
